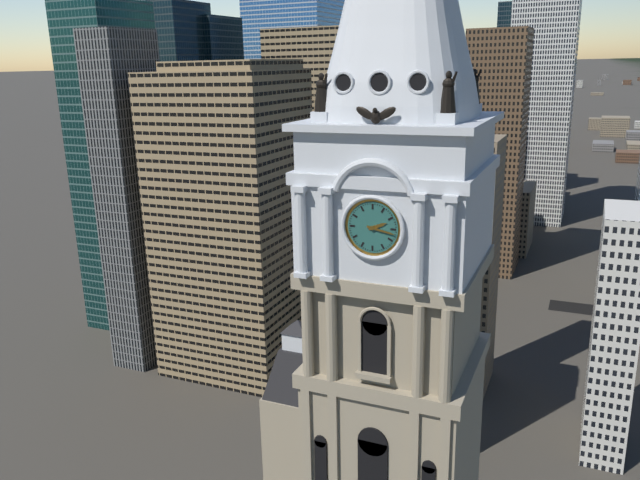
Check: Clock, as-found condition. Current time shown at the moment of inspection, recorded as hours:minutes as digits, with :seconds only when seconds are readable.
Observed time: 2:17
